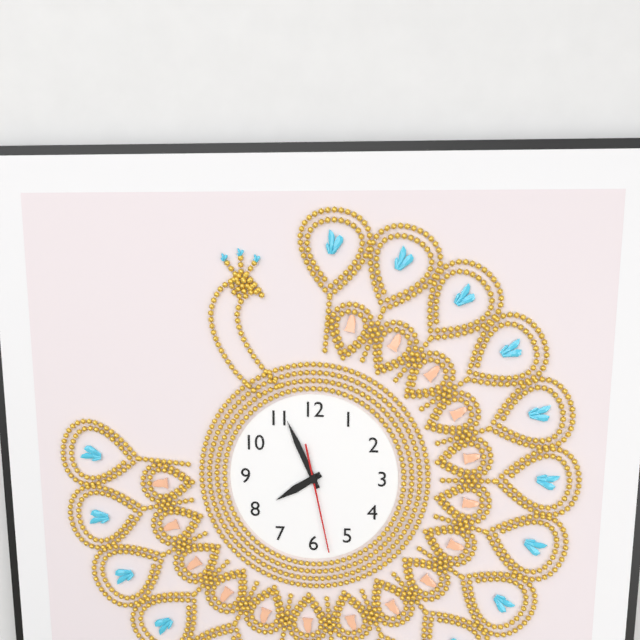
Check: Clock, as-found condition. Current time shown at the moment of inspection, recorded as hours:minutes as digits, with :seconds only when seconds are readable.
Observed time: 7:56:28
